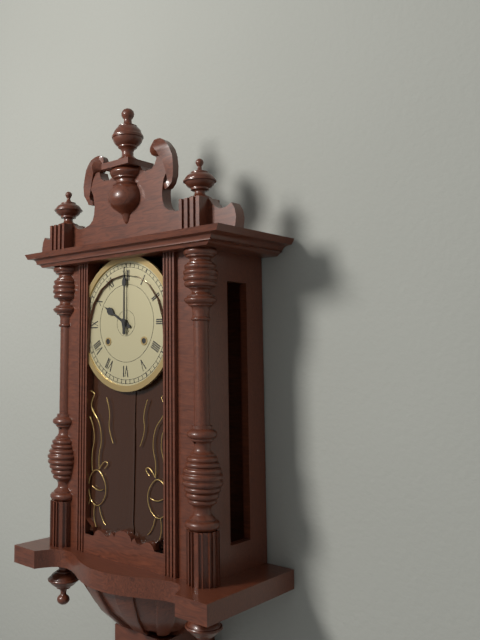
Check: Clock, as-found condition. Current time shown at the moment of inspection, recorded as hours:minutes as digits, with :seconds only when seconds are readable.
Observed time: 10:00
